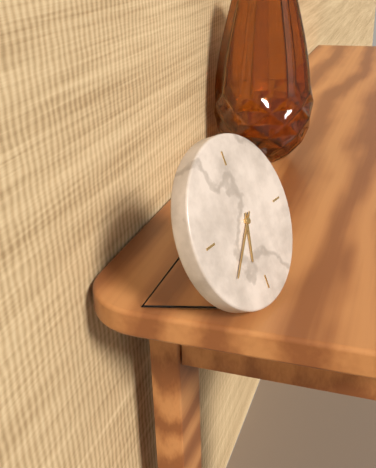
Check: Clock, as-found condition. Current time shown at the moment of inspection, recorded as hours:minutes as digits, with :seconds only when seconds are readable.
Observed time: 6:38
